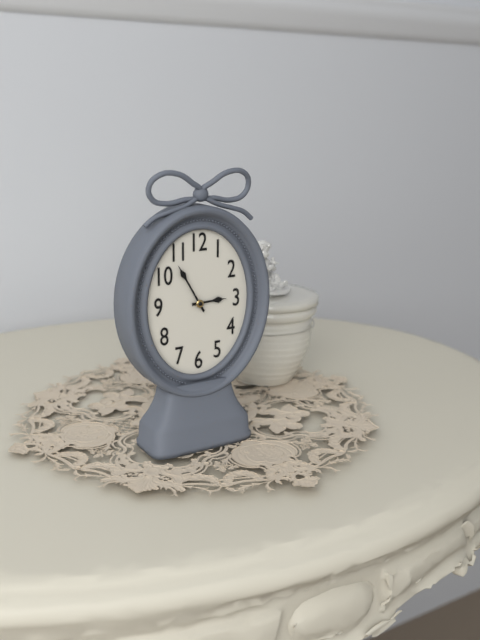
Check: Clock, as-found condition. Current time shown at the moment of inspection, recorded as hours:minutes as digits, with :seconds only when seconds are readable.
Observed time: 2:55
